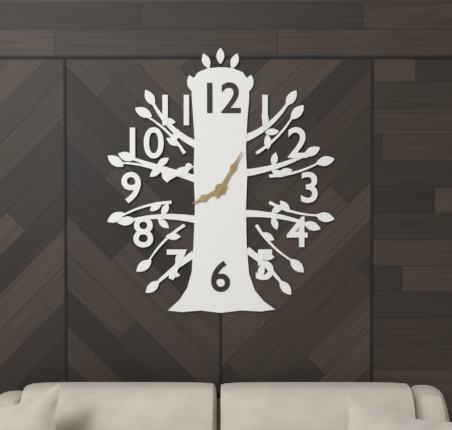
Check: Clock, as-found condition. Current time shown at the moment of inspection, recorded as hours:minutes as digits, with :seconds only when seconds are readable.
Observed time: 8:05
